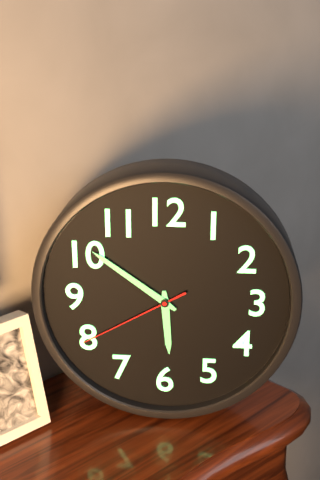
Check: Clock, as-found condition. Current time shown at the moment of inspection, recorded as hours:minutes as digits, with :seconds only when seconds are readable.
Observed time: 5:51:40
